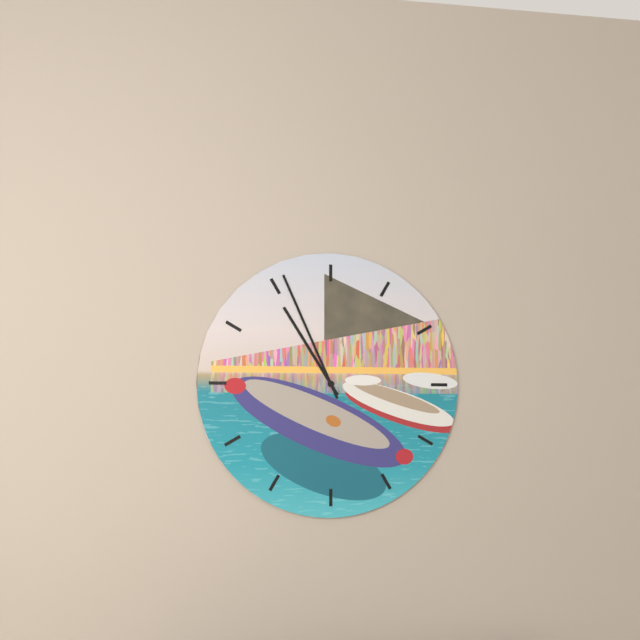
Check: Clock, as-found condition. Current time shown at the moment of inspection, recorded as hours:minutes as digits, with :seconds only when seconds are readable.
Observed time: 10:56
